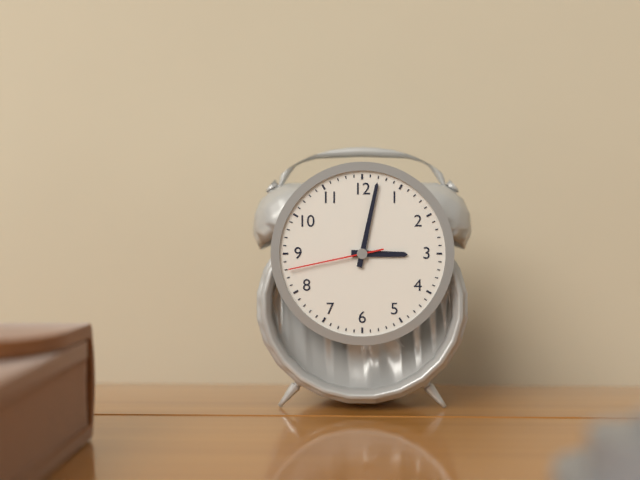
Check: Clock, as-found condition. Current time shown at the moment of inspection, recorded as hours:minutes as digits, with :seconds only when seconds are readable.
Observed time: 3:02:43
